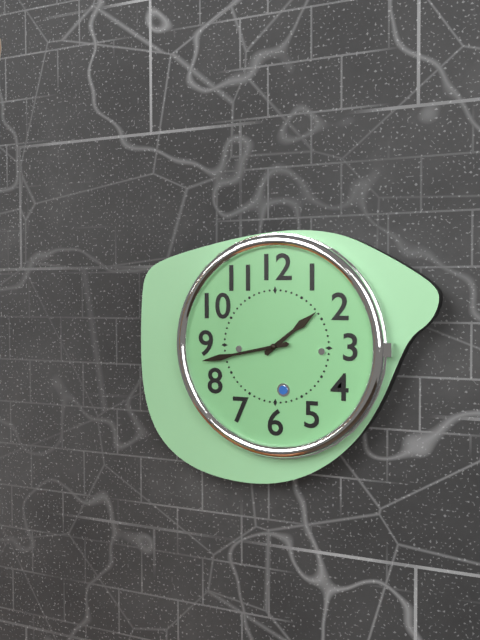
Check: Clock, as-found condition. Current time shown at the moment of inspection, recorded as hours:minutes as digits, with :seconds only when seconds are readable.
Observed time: 1:43
